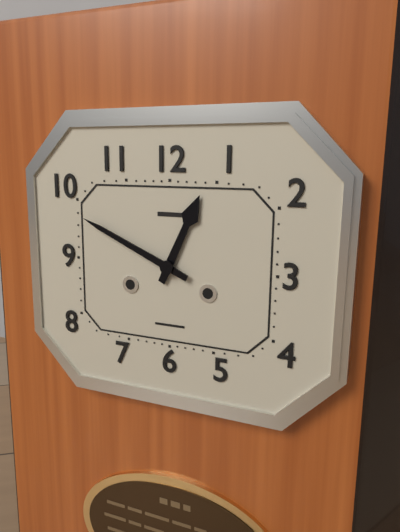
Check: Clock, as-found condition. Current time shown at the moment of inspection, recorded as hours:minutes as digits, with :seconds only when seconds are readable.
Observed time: 12:49
